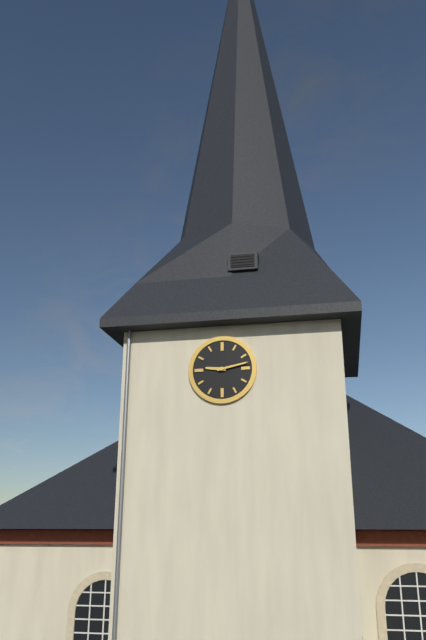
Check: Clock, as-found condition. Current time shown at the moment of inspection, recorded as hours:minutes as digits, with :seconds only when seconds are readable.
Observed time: 9:13
